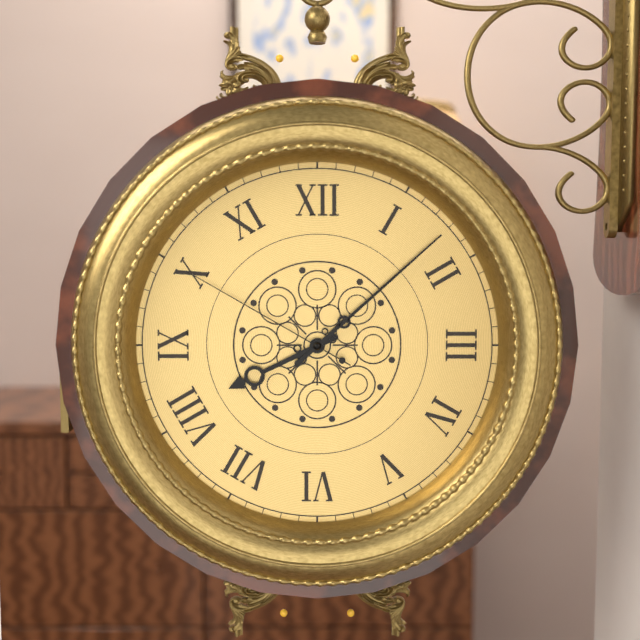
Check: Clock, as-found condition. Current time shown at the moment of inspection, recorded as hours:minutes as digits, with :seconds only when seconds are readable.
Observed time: 8:08:50
